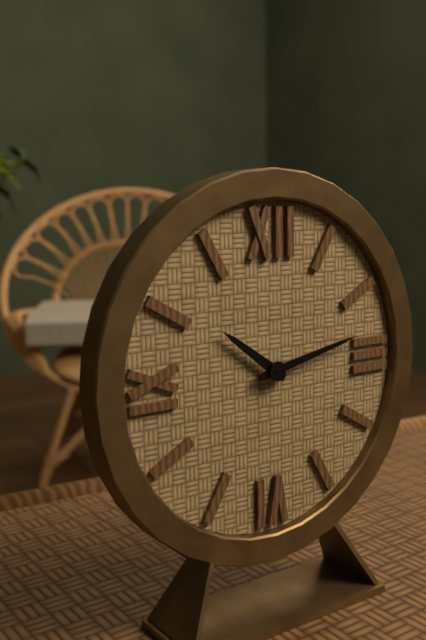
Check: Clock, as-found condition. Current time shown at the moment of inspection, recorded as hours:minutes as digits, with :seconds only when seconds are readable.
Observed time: 10:13
